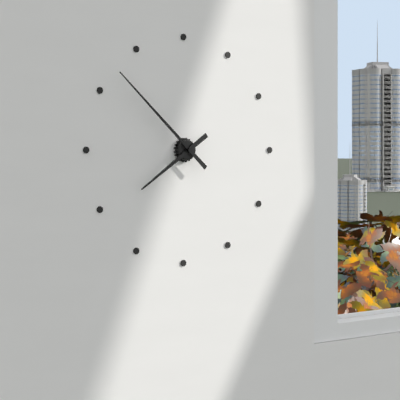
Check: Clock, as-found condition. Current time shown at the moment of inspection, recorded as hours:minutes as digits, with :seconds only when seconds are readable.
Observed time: 7:52
